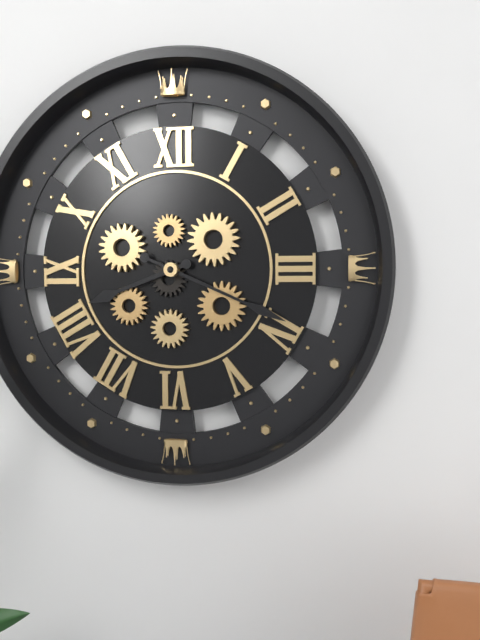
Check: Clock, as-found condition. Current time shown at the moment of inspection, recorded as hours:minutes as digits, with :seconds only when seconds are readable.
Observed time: 8:19
